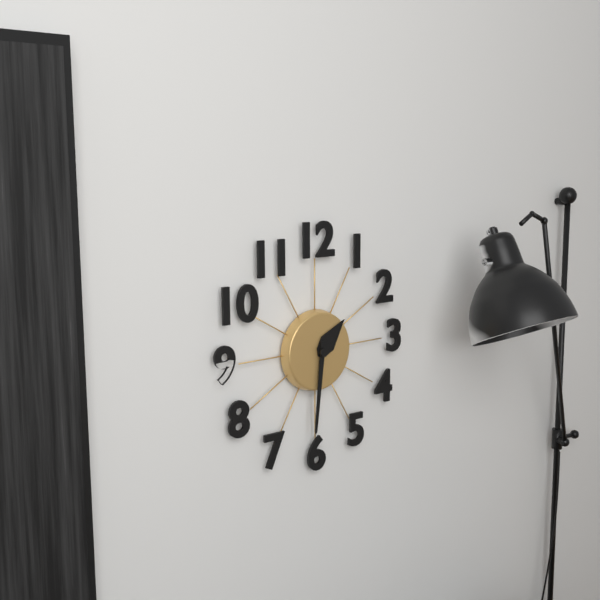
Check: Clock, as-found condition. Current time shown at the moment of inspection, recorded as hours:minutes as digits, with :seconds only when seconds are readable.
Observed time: 1:31
